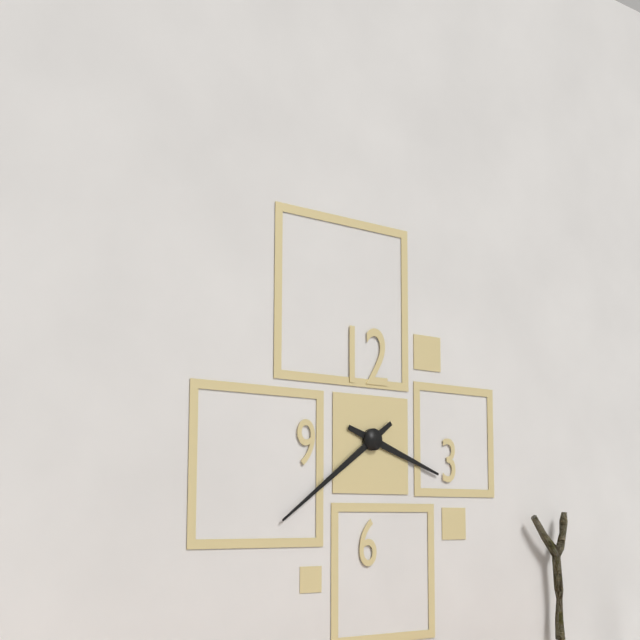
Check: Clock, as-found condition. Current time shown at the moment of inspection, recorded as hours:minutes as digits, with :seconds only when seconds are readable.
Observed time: 3:39
